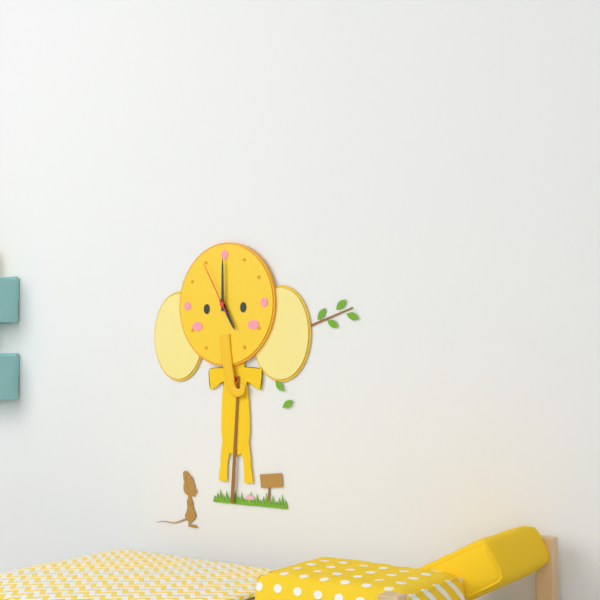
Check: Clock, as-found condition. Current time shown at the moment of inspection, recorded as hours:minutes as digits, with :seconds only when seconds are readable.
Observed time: 5:00:55
